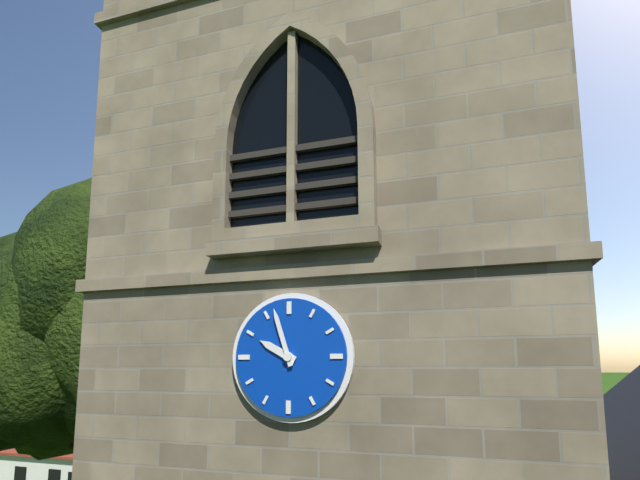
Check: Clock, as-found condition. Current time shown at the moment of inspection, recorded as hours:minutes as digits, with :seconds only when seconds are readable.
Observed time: 9:57
